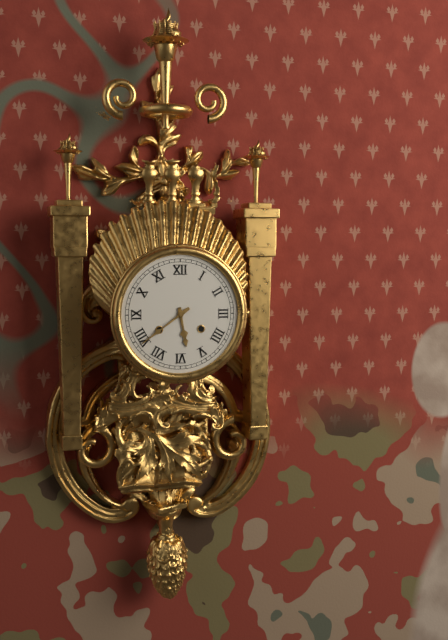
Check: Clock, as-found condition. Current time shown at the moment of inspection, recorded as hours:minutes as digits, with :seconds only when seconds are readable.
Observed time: 5:39
